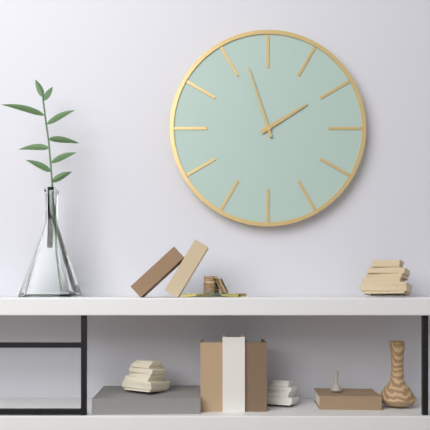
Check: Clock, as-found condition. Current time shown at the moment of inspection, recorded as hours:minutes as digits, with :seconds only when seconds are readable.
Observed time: 1:57
